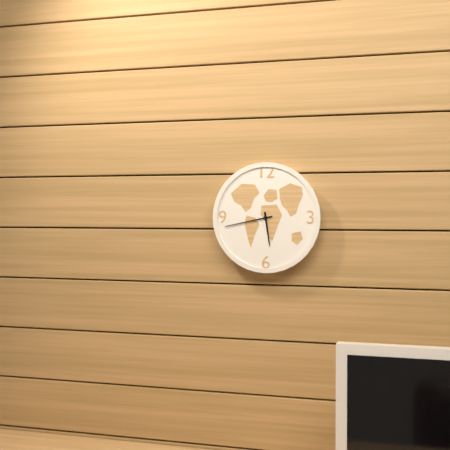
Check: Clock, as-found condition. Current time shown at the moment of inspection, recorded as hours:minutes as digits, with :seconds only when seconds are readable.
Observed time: 5:43
